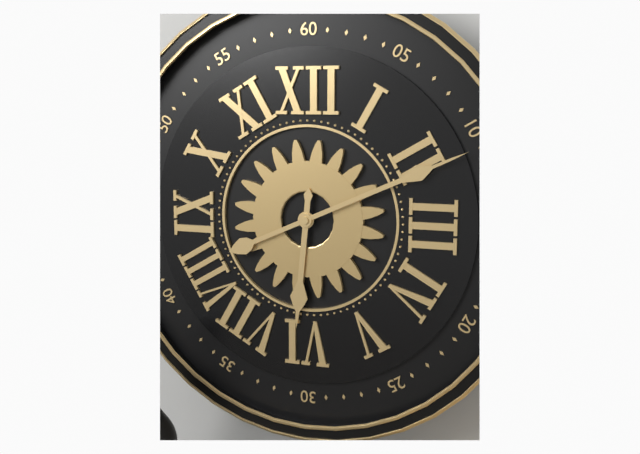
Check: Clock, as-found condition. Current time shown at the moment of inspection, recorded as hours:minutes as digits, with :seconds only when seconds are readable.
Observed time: 6:11
